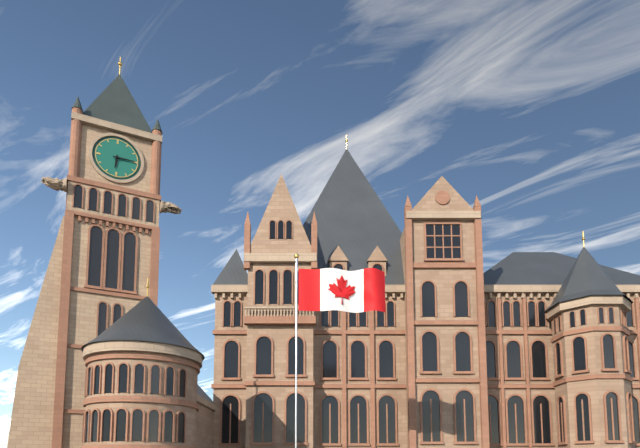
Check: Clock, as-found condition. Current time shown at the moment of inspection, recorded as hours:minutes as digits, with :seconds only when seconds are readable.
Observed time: 6:15
